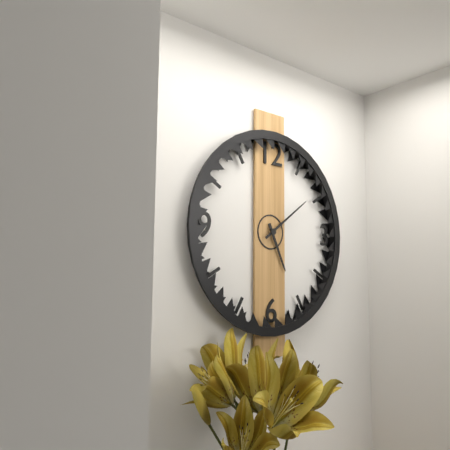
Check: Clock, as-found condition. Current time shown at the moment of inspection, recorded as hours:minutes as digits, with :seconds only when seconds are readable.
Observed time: 5:09
